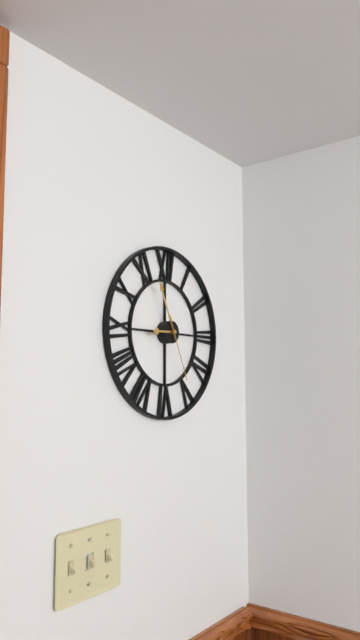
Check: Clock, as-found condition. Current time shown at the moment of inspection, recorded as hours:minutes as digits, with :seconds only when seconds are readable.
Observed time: 8:56:26
